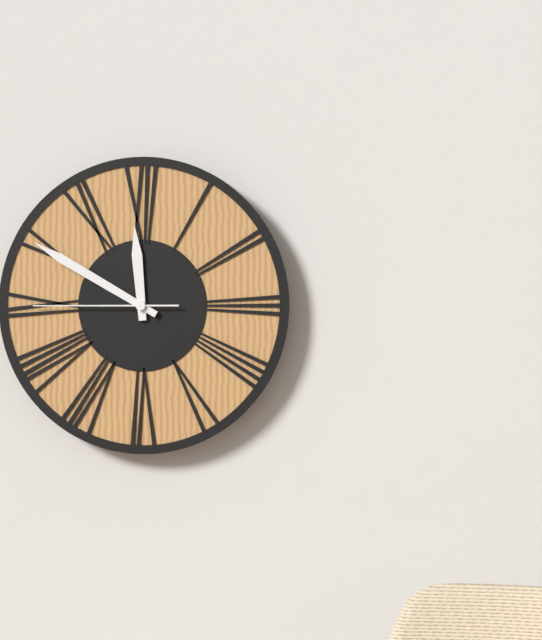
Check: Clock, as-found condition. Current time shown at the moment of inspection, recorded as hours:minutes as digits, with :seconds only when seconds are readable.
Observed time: 11:50:45
